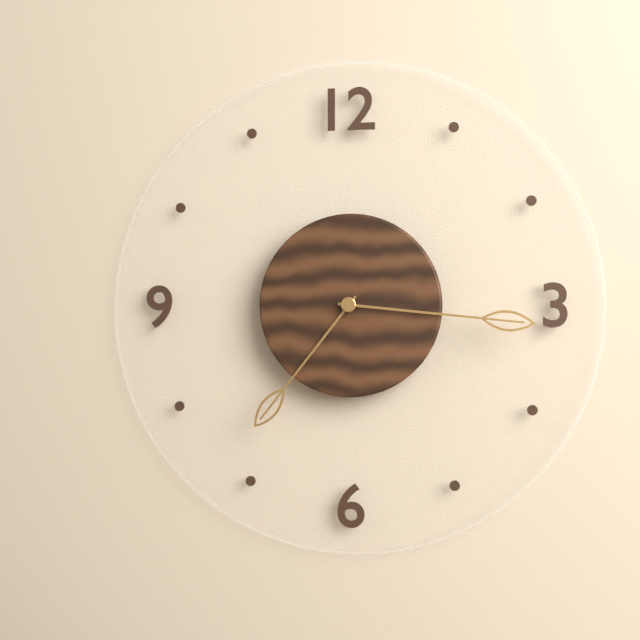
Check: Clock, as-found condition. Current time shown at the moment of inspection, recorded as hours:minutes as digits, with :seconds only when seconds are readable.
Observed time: 7:16
